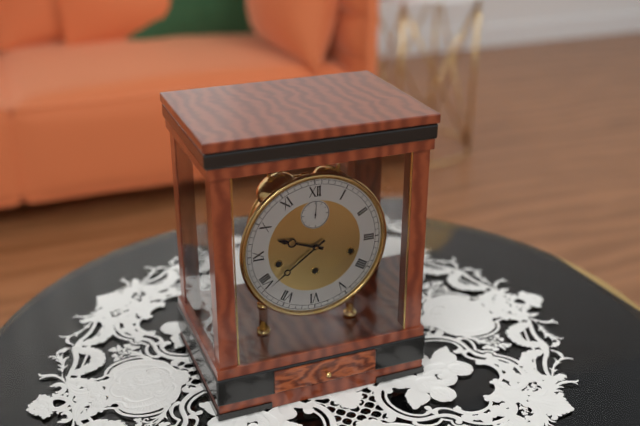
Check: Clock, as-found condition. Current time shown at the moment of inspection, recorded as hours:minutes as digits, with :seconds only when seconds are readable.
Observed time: 9:39
